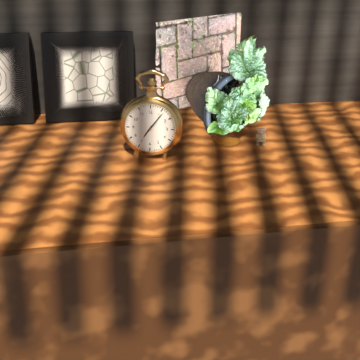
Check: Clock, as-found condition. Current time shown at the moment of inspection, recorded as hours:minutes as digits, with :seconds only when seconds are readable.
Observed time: 7:06
